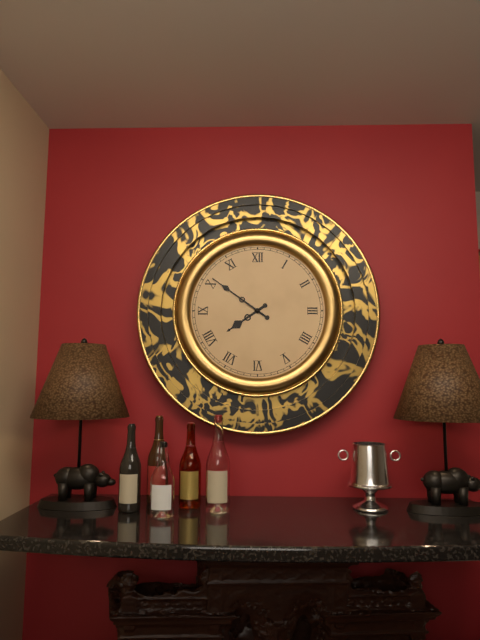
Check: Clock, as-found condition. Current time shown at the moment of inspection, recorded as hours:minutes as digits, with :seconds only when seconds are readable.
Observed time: 7:51
